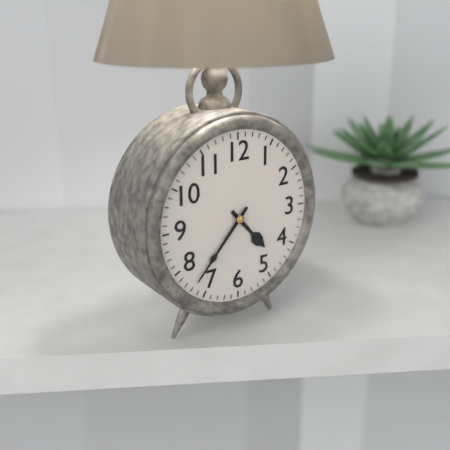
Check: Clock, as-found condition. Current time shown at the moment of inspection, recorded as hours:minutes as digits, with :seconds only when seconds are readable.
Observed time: 4:37
